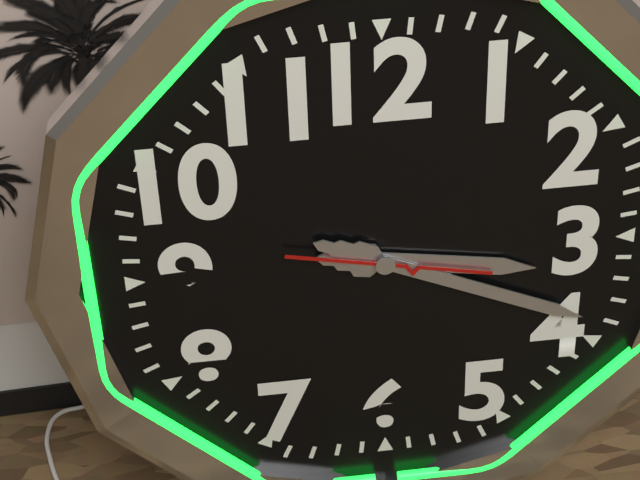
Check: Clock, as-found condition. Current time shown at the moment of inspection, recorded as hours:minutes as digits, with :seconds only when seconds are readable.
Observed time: 3:19:17
